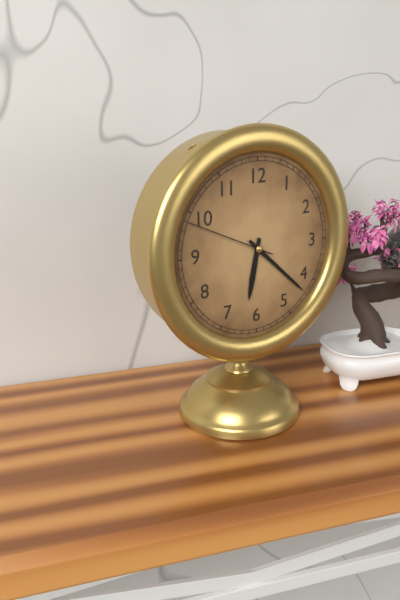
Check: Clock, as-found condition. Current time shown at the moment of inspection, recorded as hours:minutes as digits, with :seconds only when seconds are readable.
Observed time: 6:22:49
